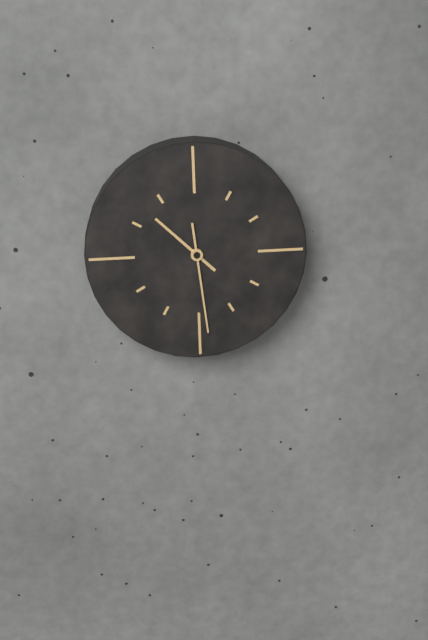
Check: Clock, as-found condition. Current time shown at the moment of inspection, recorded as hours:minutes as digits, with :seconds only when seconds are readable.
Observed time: 10:29
